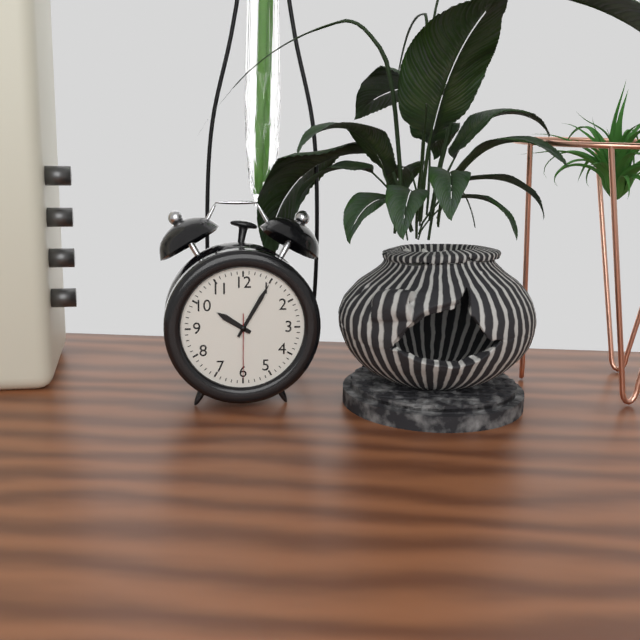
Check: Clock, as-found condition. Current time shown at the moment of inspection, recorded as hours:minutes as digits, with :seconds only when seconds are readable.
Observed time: 10:05:30
